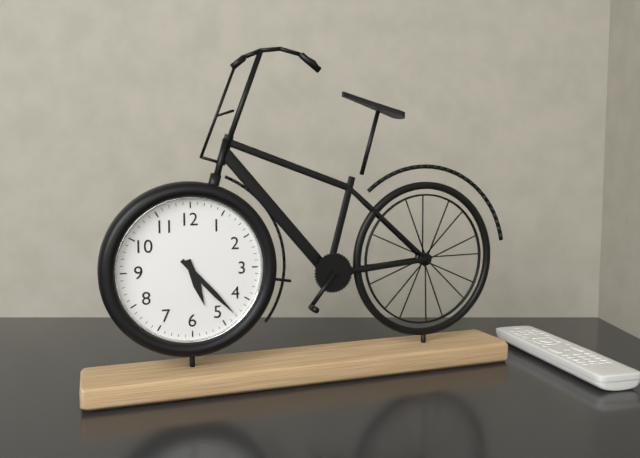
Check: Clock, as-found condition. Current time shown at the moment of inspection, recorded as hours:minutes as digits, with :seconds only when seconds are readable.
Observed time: 5:23
